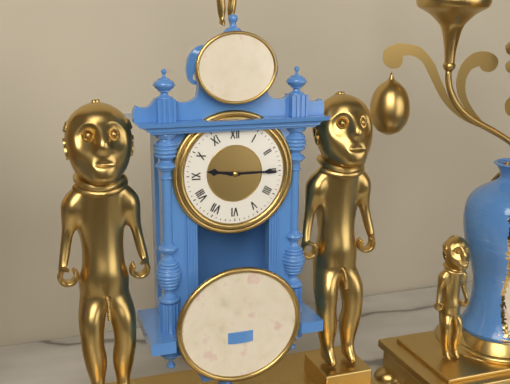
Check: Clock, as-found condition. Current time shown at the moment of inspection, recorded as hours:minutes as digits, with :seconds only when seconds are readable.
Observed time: 9:15
